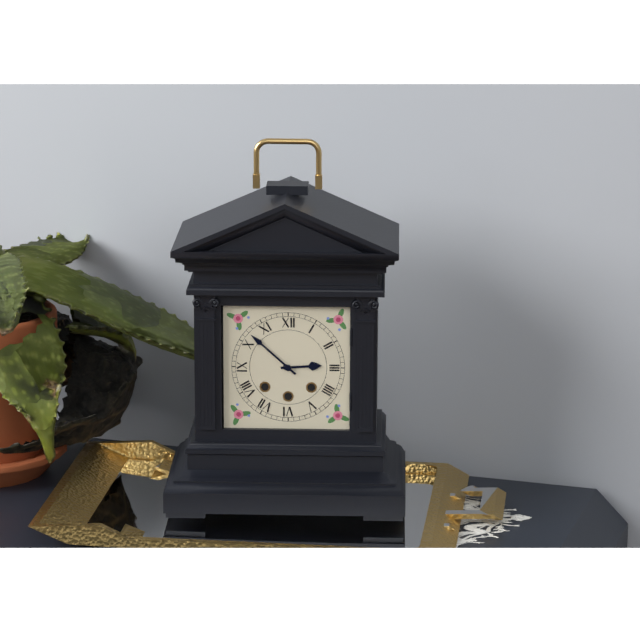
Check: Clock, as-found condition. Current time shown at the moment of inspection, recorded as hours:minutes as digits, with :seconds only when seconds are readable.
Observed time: 2:52
